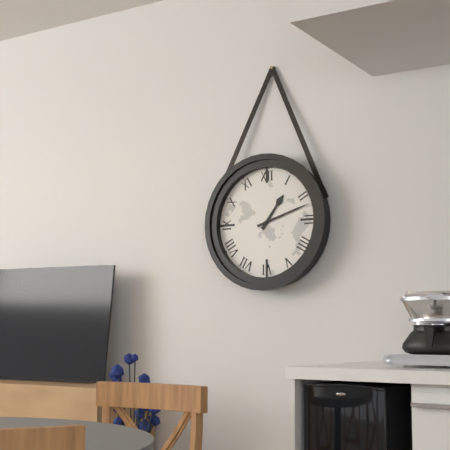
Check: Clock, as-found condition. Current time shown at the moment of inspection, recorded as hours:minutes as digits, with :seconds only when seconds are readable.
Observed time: 1:12
